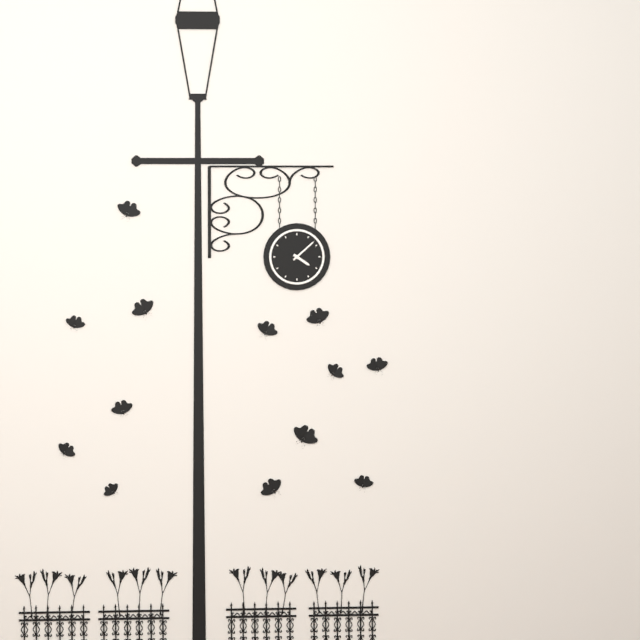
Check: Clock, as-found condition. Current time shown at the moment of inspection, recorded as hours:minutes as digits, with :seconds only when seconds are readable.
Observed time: 4:08
